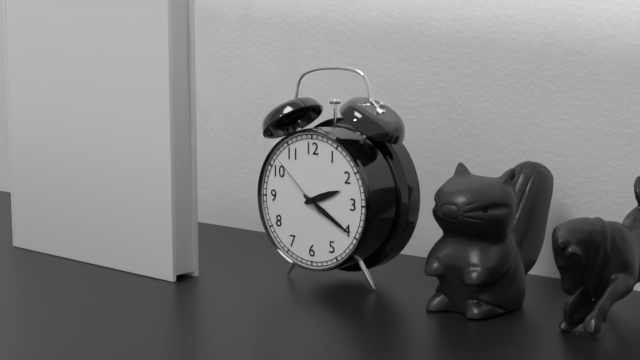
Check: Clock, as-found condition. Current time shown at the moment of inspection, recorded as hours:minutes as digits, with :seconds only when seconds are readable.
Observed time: 2:20:52
